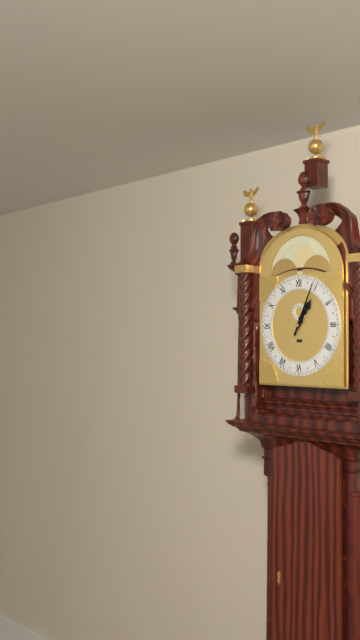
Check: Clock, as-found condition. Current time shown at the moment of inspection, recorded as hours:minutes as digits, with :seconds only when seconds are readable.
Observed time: 1:04
